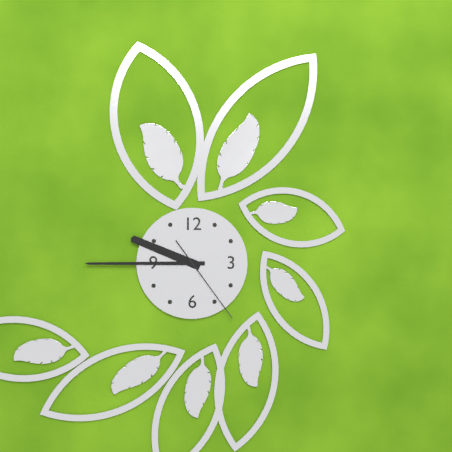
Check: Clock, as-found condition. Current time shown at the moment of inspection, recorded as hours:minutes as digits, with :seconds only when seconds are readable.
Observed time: 9:45:24
